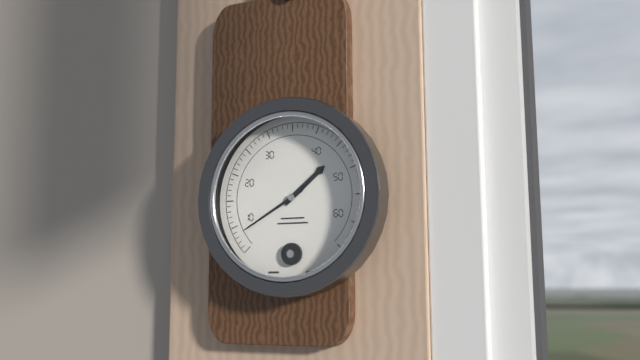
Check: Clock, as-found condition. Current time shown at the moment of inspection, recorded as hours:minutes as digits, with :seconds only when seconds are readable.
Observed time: 1:40
